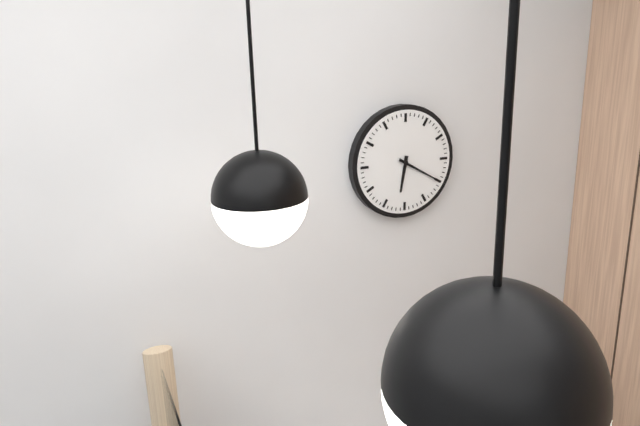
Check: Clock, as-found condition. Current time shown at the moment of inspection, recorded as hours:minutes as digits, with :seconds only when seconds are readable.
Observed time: 6:20
